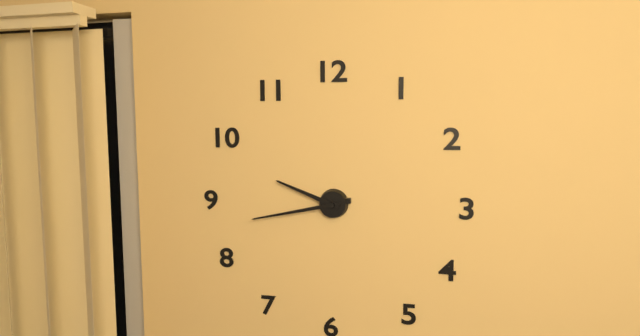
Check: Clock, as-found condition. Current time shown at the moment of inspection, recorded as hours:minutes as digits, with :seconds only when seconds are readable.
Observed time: 9:43
